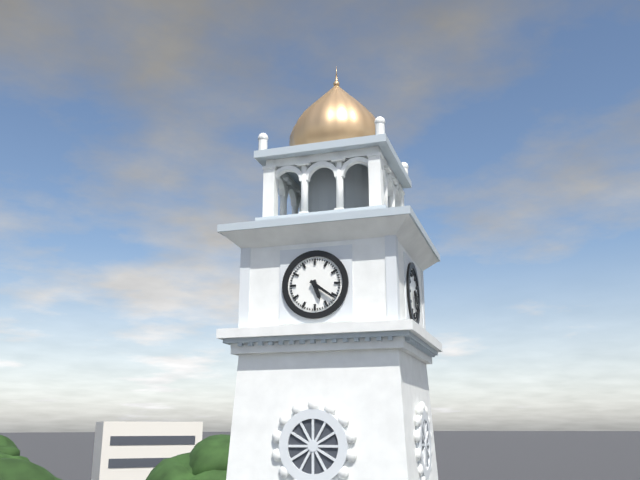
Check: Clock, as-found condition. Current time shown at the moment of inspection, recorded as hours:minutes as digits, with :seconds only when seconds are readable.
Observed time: 5:21
